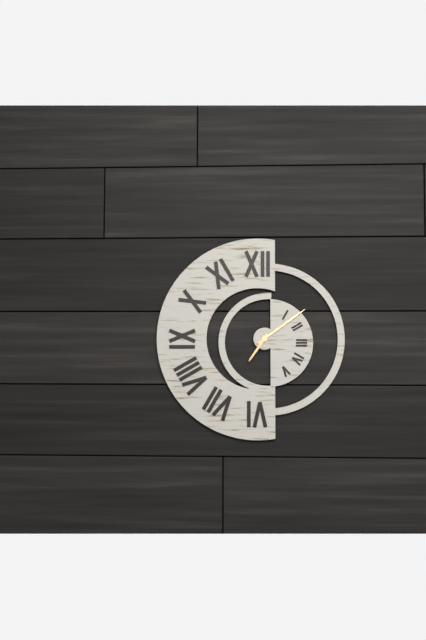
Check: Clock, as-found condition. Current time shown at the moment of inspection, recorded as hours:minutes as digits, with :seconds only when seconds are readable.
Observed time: 7:09
